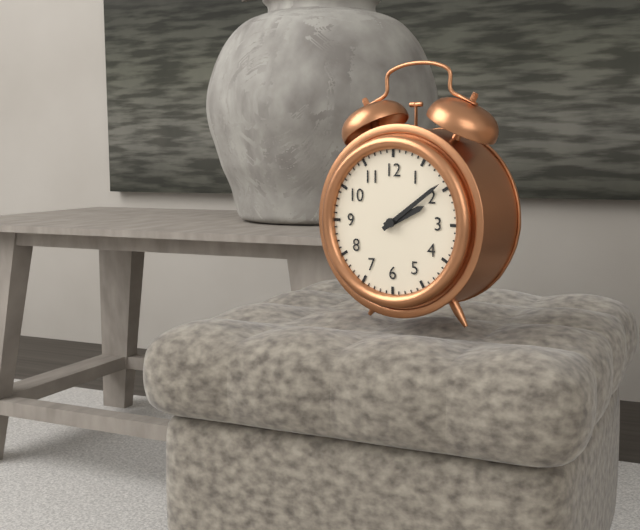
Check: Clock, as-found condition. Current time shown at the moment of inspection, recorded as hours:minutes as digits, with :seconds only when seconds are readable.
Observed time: 2:09
